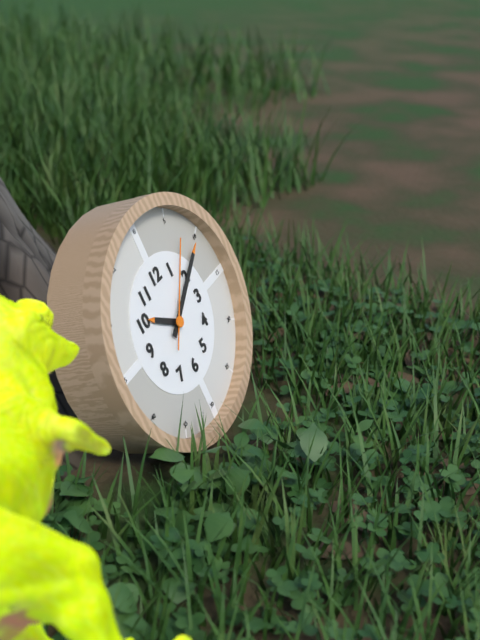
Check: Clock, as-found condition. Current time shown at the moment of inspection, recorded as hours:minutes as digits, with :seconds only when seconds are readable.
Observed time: 10:10:07
